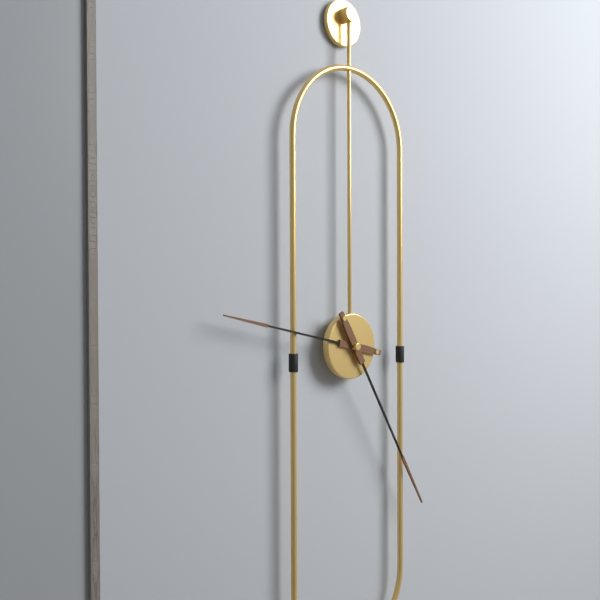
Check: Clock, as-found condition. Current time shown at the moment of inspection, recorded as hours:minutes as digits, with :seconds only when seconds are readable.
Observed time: 9:25
